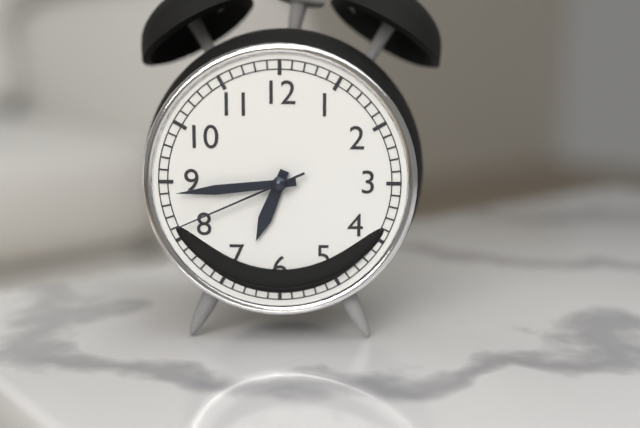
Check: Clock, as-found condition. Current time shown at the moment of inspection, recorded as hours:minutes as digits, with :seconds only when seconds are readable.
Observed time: 6:44:41
